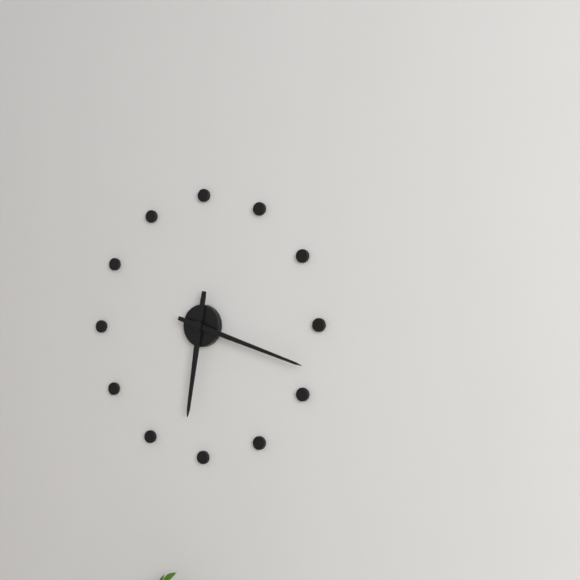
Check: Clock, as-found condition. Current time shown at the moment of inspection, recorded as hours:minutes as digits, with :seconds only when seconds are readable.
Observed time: 6:18
